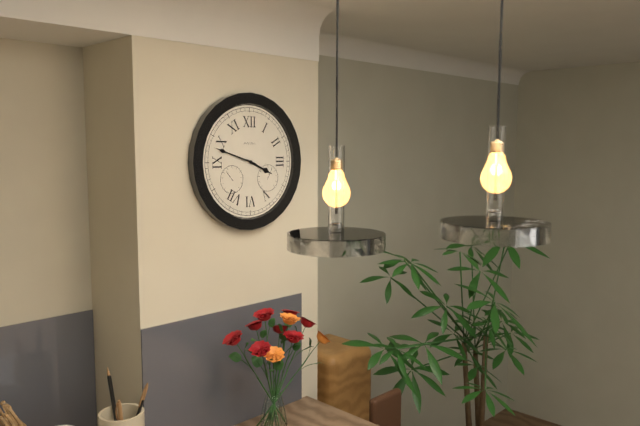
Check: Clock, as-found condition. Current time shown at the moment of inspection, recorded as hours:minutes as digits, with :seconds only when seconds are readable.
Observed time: 3:48
